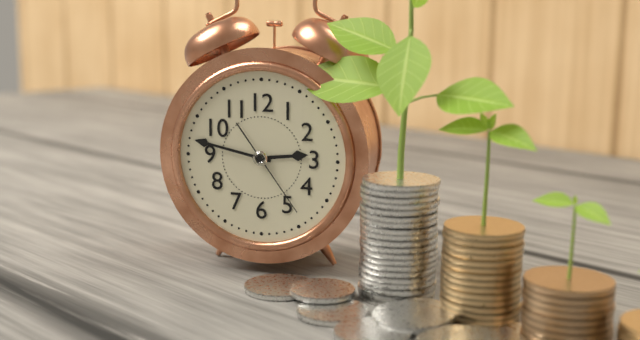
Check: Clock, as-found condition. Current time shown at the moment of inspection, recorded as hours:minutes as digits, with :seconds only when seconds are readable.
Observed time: 2:47:24
